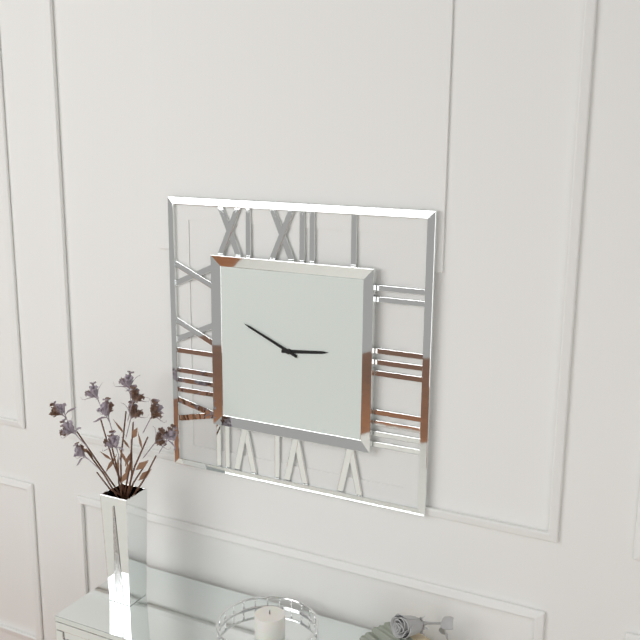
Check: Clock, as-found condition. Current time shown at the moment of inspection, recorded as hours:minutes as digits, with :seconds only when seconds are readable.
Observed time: 2:49
